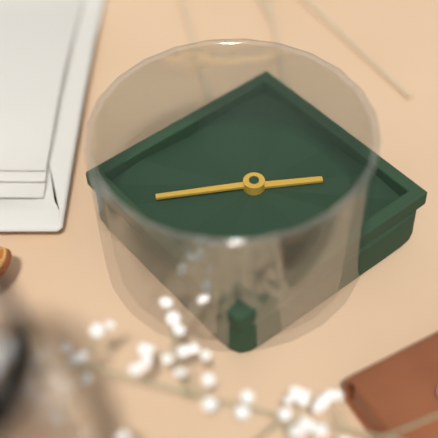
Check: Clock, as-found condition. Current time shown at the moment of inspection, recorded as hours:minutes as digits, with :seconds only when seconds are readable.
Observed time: 7:05
